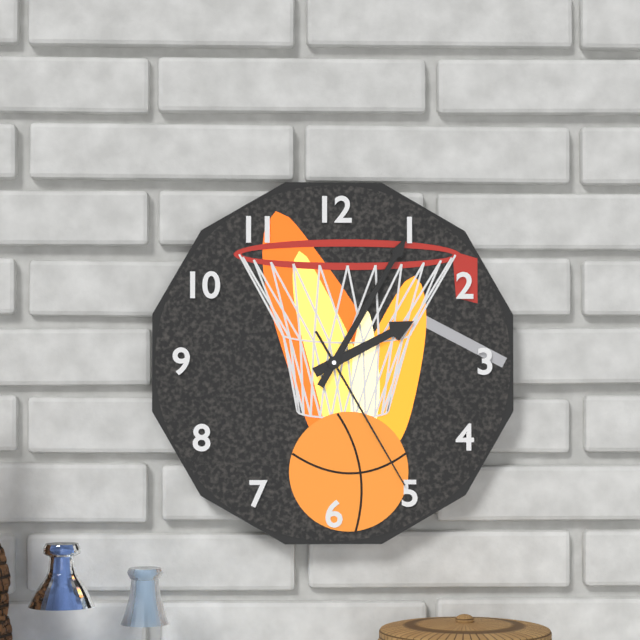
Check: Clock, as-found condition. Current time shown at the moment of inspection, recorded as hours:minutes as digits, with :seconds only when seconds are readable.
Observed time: 2:05:25
